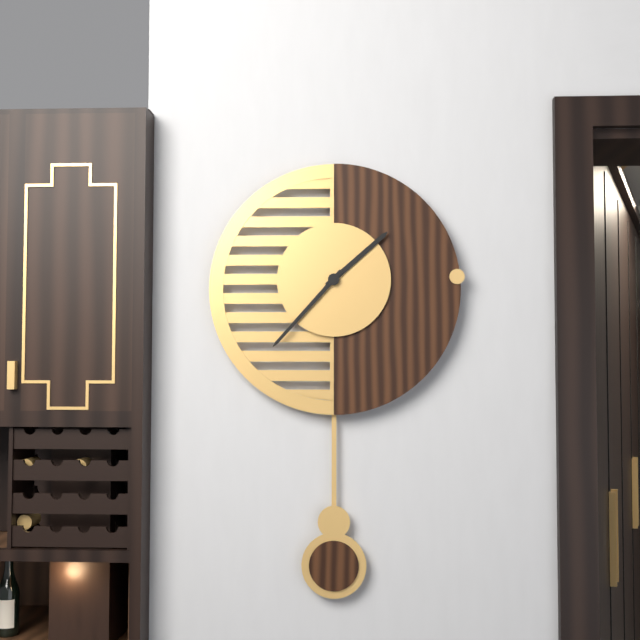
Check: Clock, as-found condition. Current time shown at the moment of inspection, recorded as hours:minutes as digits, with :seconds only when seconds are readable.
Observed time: 1:37
